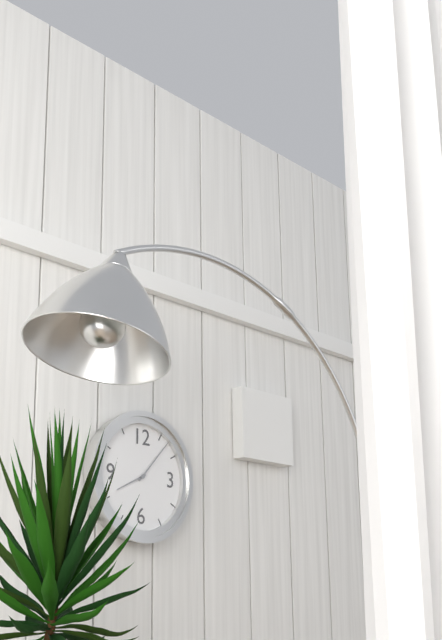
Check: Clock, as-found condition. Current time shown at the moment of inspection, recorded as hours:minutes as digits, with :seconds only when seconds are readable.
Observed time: 8:07
